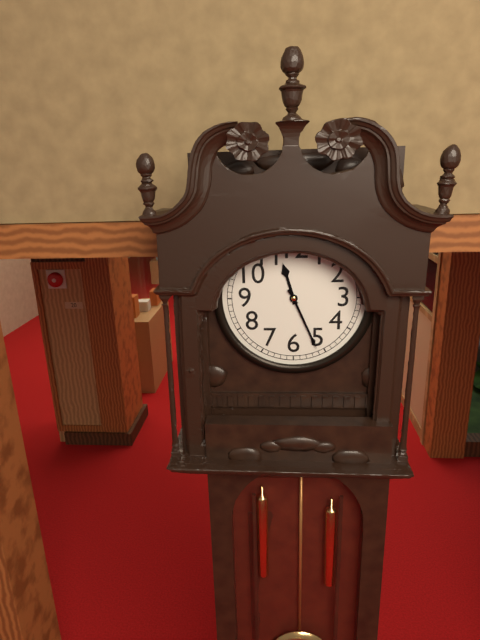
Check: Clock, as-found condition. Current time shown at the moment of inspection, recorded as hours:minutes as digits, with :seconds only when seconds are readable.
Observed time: 11:26
